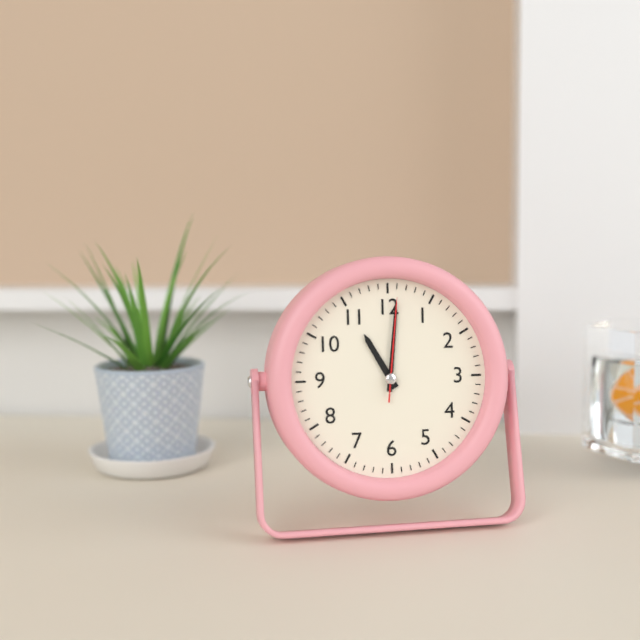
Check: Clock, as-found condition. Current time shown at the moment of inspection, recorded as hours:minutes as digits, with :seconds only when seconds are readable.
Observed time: 11:01:01
